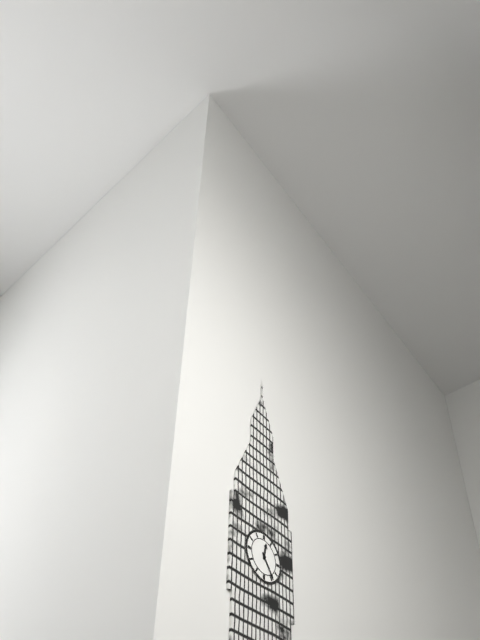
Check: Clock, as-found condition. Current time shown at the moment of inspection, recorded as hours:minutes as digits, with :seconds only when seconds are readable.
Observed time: 12:24
